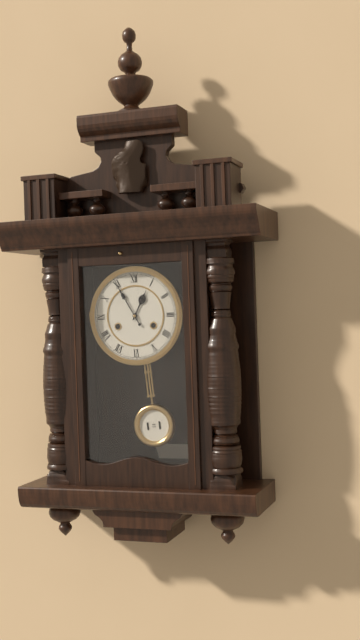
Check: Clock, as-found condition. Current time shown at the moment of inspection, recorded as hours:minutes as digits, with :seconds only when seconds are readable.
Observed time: 12:55
